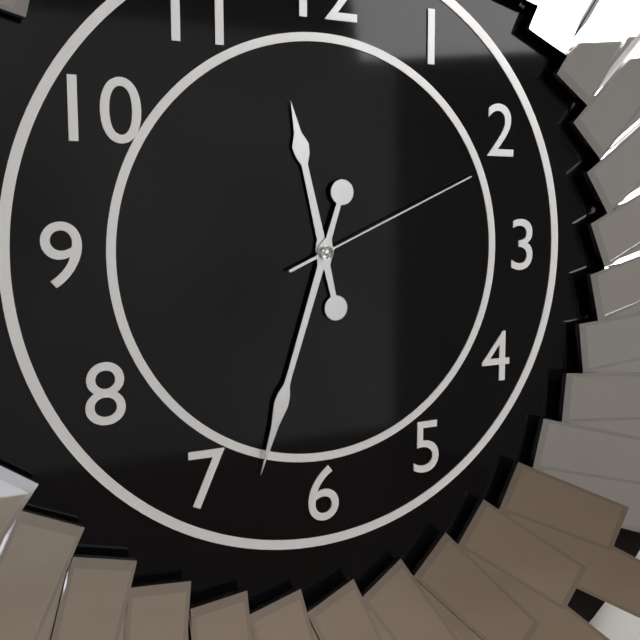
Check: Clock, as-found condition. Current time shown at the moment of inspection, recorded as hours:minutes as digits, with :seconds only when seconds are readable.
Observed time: 11:33:11
